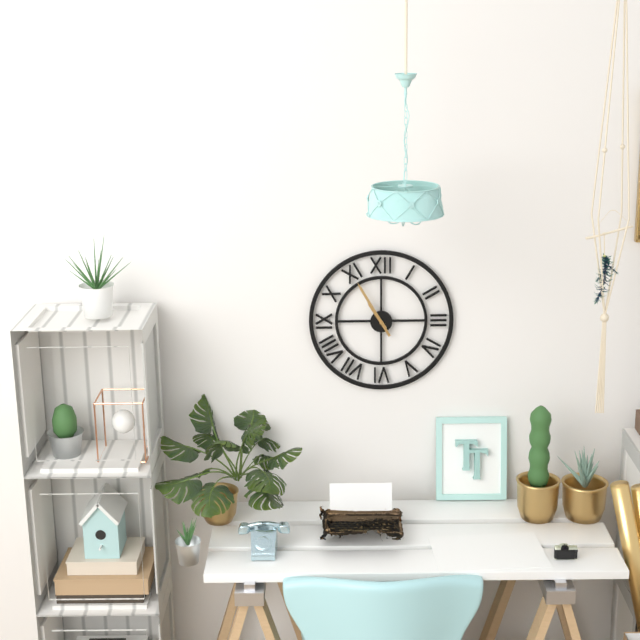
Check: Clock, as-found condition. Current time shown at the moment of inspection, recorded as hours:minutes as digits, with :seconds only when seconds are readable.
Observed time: 10:55
